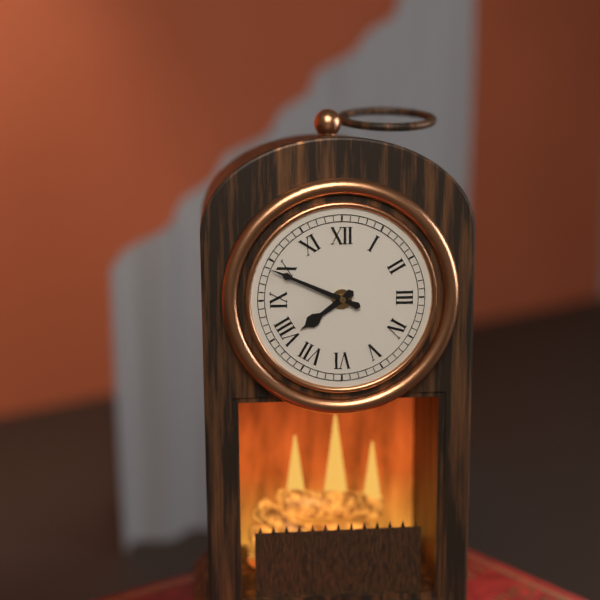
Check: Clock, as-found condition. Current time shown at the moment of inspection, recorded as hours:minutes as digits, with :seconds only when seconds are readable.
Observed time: 7:49
